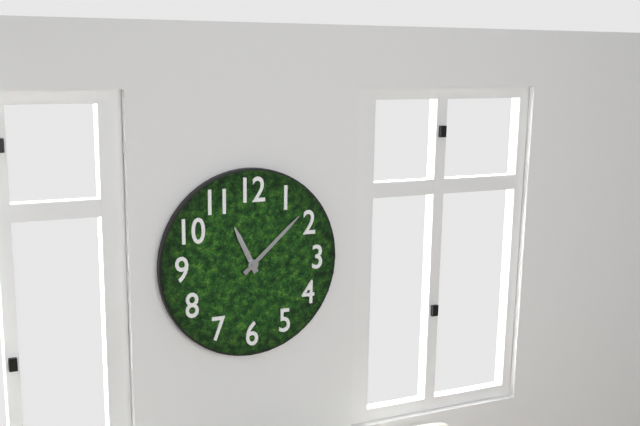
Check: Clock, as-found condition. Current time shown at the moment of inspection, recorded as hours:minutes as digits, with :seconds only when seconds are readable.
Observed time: 11:08
